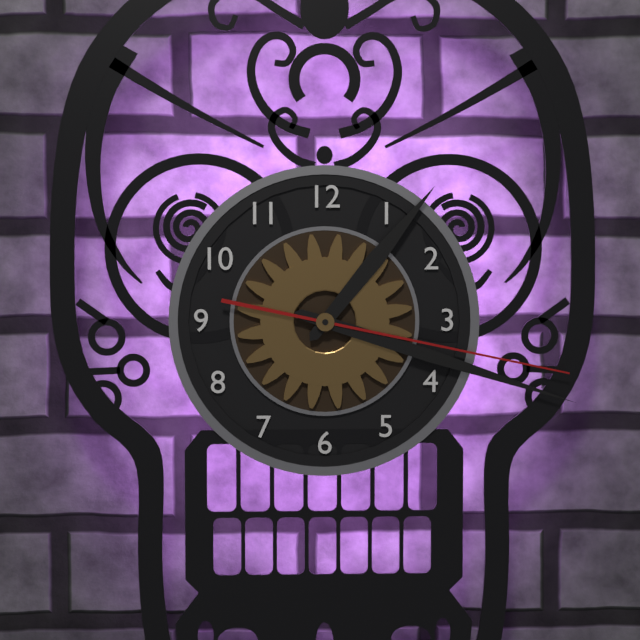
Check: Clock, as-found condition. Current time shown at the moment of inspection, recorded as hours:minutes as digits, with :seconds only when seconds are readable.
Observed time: 1:18:17
